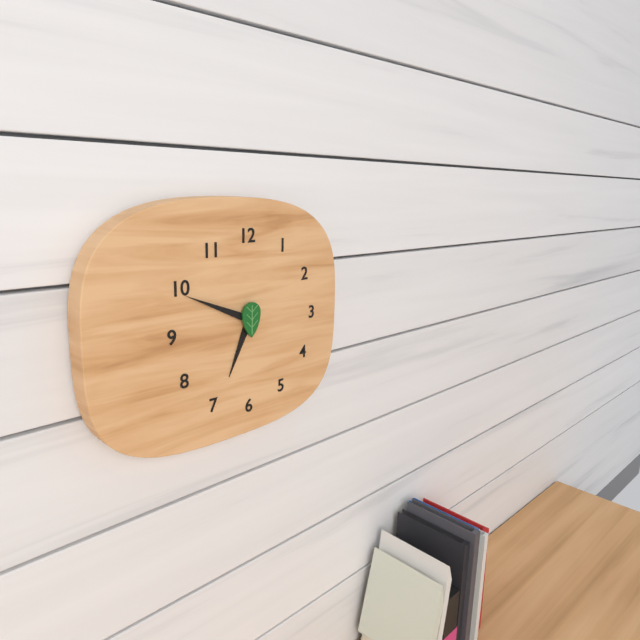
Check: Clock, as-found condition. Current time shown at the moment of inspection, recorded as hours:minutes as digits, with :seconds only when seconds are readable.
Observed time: 6:49
